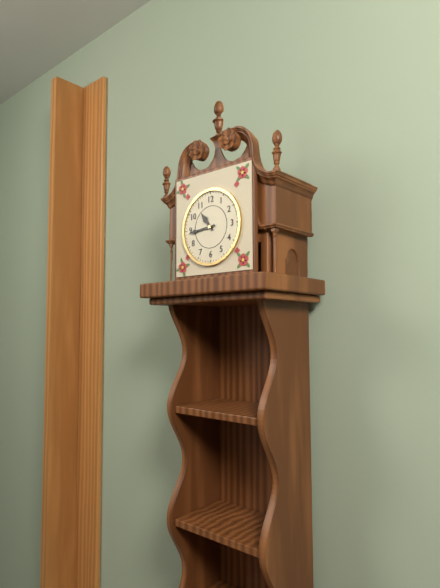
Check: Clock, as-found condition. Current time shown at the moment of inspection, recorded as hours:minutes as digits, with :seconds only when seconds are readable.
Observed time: 10:44
